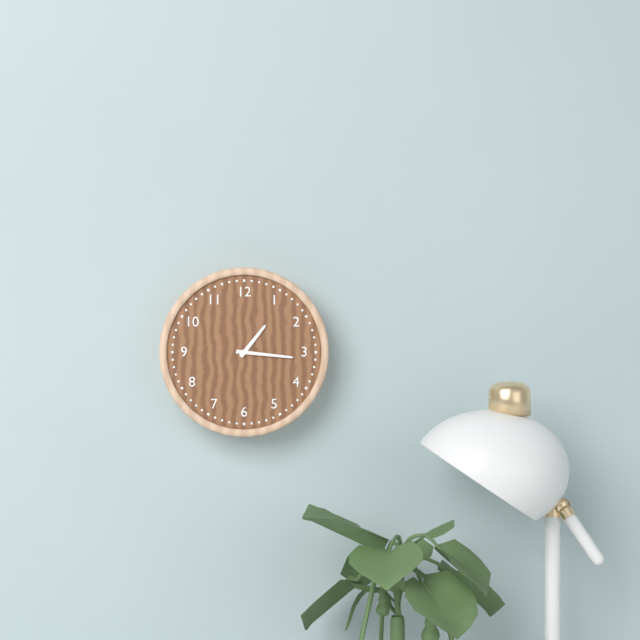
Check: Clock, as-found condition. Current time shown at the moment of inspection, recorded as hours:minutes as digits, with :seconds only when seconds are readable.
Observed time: 1:16
